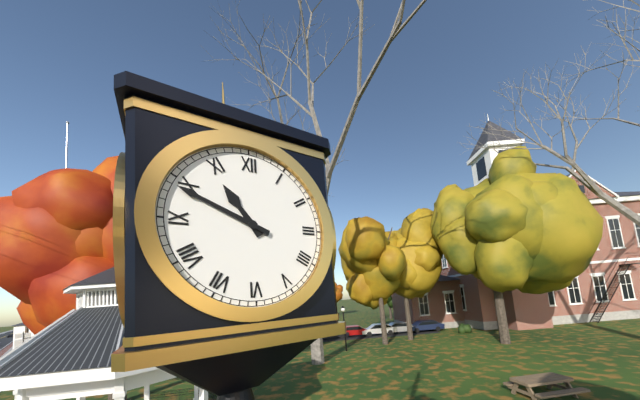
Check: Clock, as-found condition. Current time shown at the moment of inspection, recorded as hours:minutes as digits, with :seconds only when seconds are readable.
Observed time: 10:49
